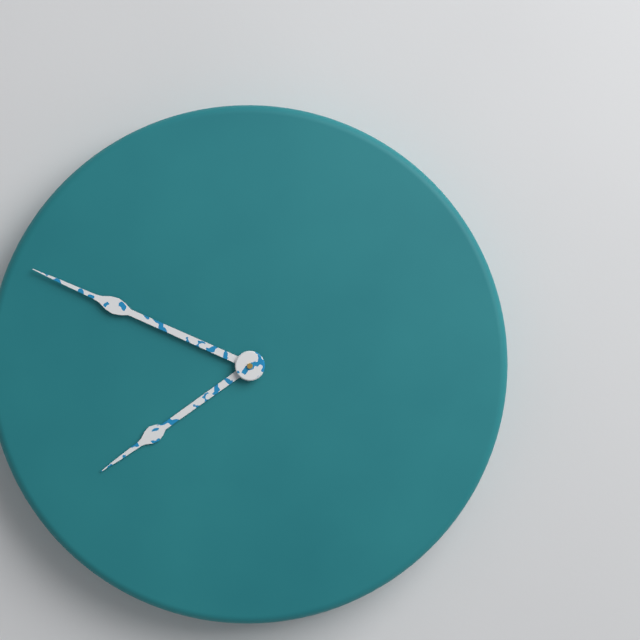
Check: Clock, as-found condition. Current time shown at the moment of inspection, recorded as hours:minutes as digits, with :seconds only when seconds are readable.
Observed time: 7:49
